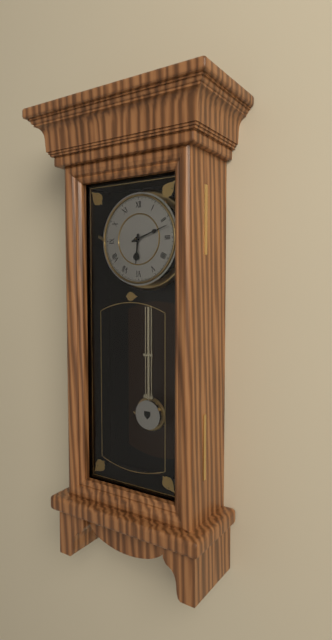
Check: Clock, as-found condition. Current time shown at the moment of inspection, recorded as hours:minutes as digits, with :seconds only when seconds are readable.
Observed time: 6:12
